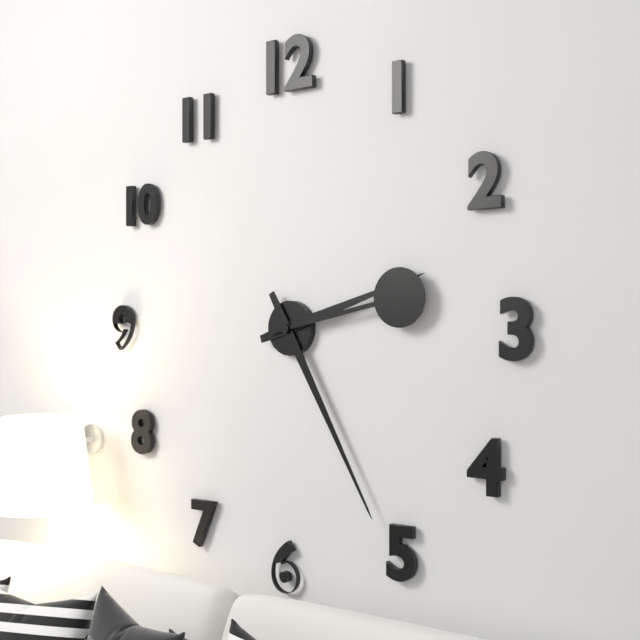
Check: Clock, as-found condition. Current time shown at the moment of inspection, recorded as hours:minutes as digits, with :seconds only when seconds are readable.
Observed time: 2:25:13
